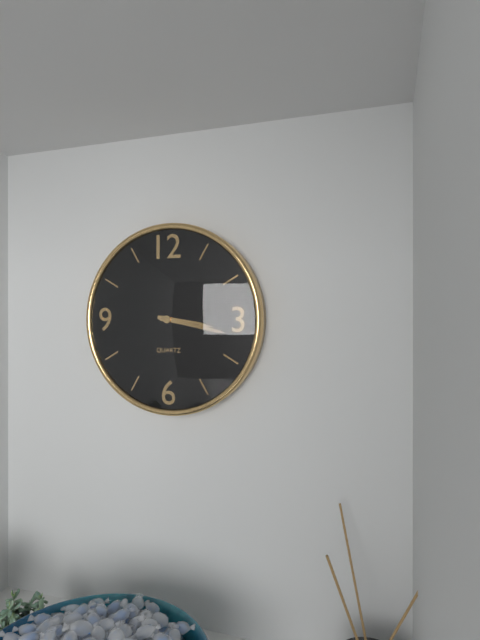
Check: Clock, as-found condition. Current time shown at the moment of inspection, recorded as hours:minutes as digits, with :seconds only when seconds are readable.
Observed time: 3:17
